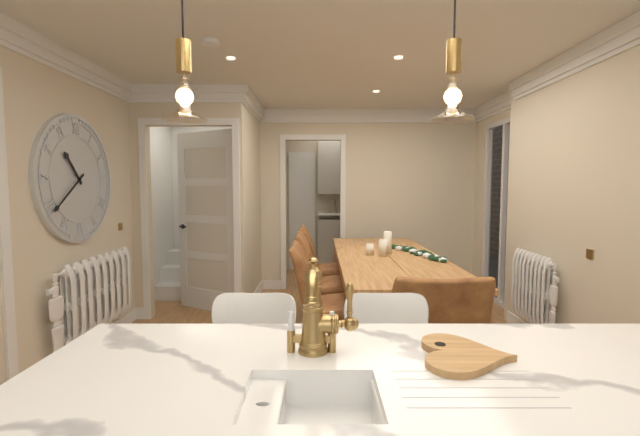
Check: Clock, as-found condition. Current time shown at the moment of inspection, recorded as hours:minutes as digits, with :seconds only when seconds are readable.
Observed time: 10:39
